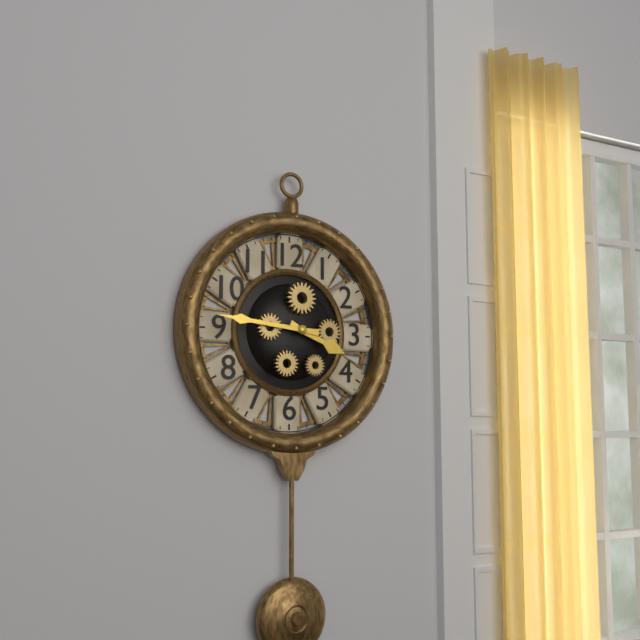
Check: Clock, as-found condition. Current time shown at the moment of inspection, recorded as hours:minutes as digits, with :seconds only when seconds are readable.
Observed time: 3:46
